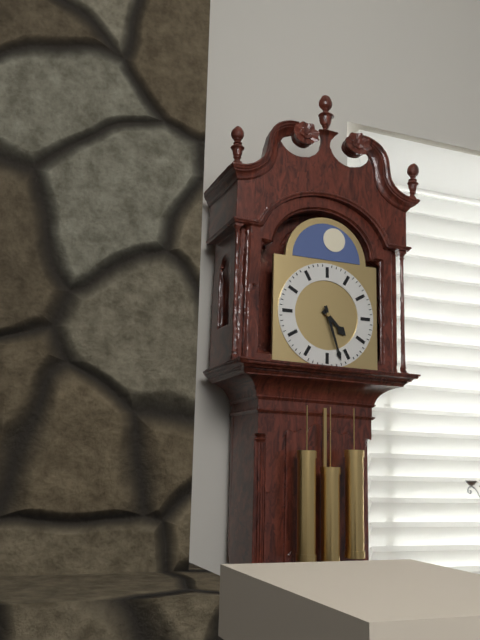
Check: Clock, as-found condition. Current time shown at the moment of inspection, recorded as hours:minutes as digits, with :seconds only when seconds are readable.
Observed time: 4:27
